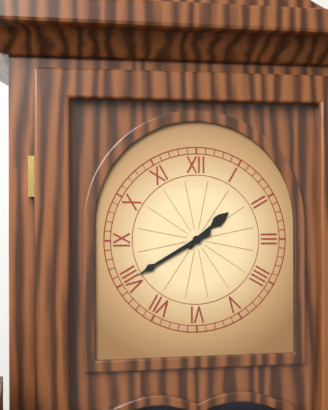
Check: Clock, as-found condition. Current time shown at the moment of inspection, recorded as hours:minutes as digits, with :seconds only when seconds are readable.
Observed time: 1:40
